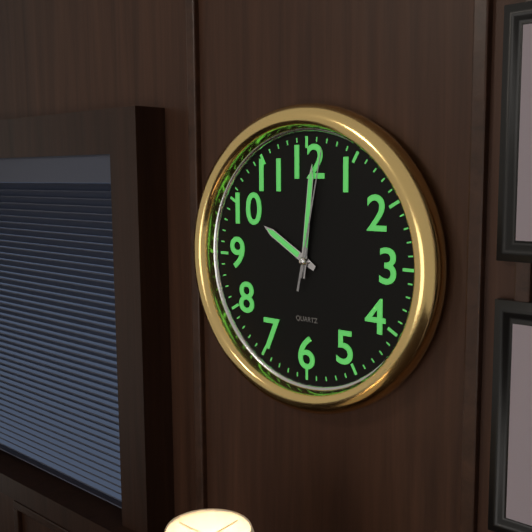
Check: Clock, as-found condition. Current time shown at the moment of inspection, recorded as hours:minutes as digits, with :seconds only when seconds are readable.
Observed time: 10:01:02
